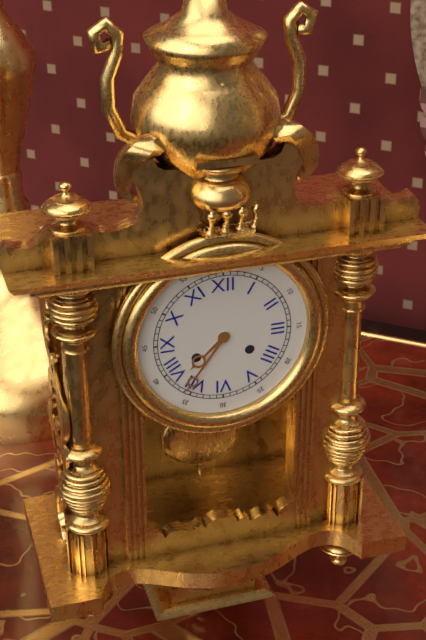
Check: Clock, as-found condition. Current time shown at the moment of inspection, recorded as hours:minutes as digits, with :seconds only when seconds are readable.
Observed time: 7:36
